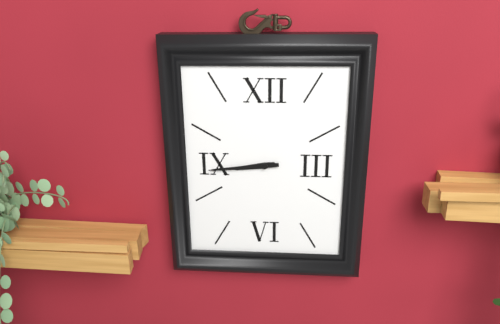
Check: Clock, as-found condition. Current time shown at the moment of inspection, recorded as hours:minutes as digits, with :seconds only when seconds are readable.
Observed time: 8:44
